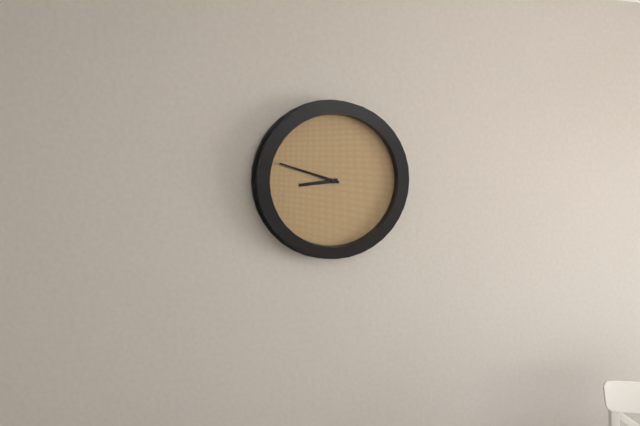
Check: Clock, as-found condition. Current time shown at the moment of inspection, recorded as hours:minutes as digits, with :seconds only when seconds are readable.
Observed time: 8:48
